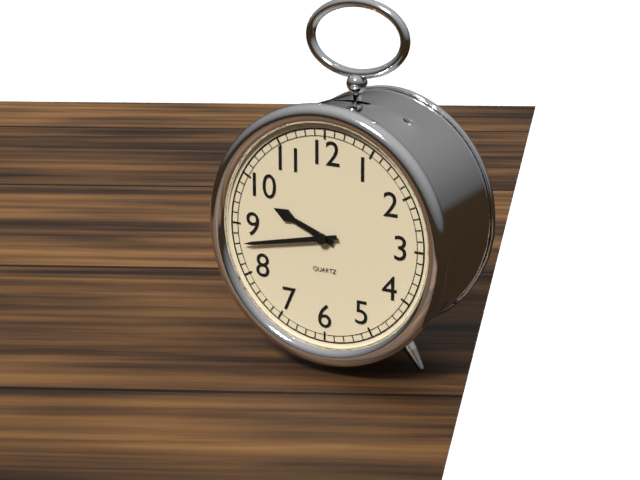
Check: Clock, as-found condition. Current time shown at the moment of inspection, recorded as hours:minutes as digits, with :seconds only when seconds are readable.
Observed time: 9:43
